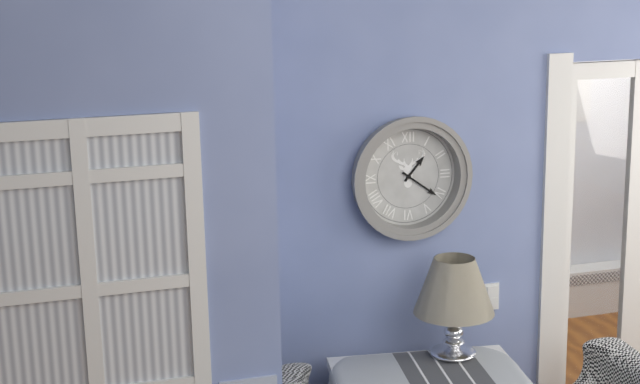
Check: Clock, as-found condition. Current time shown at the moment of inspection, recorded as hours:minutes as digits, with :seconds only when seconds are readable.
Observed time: 1:21
